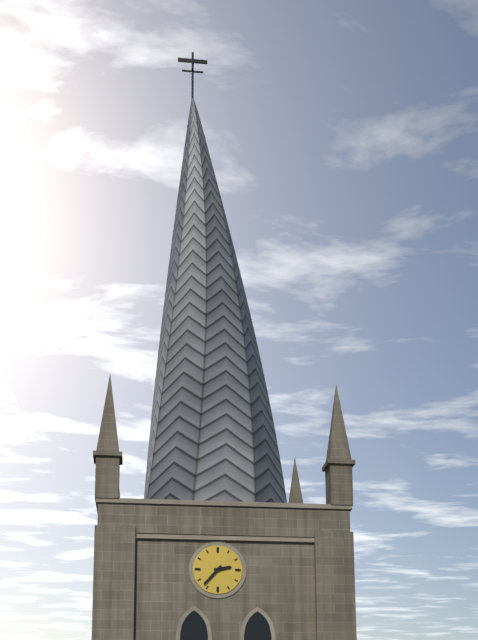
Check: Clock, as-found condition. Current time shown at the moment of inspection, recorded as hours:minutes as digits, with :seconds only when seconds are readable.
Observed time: 2:37
